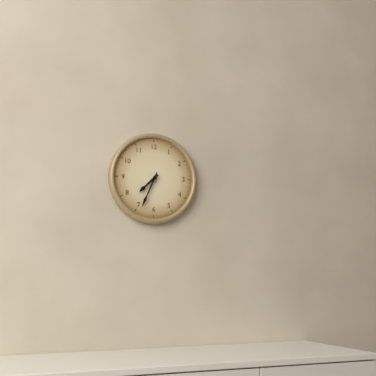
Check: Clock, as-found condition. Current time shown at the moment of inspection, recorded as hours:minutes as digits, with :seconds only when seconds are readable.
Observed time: 7:34
